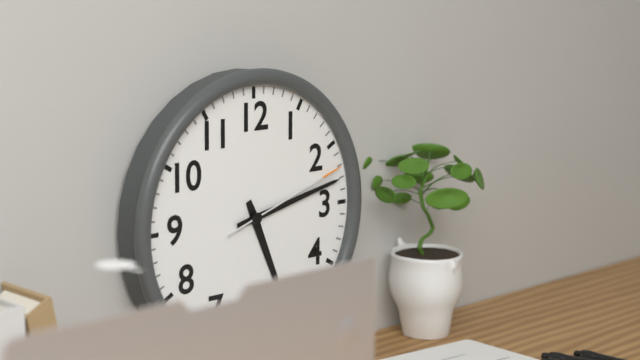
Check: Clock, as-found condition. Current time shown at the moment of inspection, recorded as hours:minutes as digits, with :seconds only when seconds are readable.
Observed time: 5:13:12
